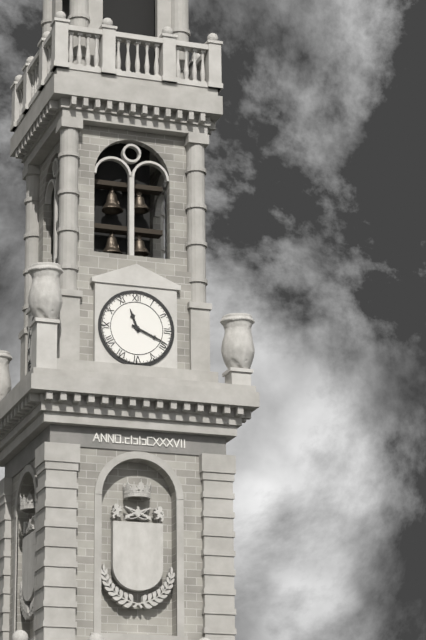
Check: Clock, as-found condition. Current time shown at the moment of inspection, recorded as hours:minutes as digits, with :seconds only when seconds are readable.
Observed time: 11:19
